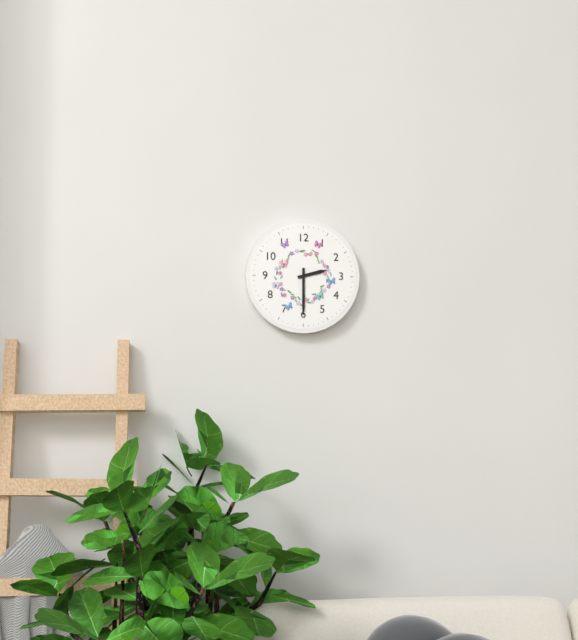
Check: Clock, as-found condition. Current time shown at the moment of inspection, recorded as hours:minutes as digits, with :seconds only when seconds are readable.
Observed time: 2:30
